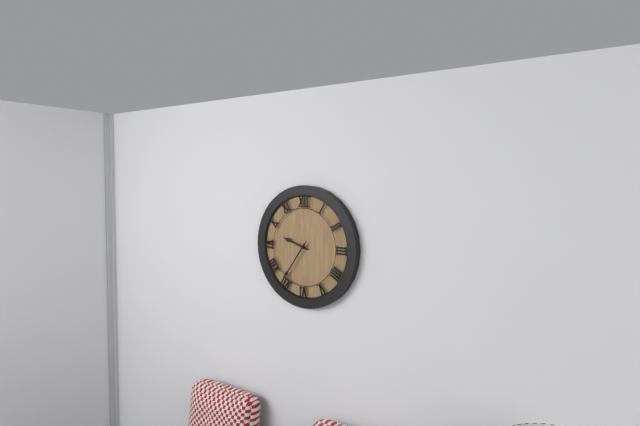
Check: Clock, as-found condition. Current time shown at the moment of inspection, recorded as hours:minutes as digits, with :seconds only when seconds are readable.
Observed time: 9:36
